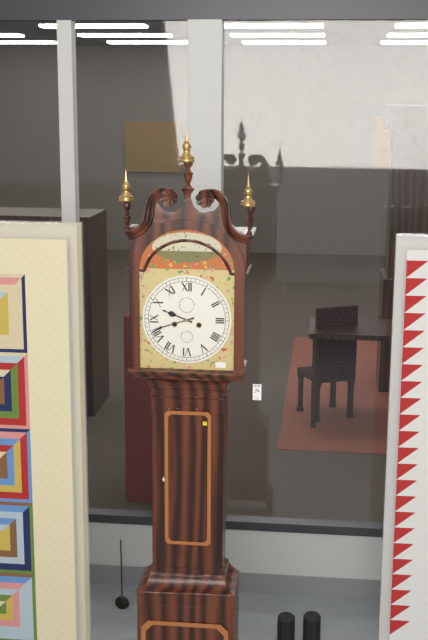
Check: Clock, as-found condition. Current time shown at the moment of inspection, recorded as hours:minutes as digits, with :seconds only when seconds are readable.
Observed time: 9:42
